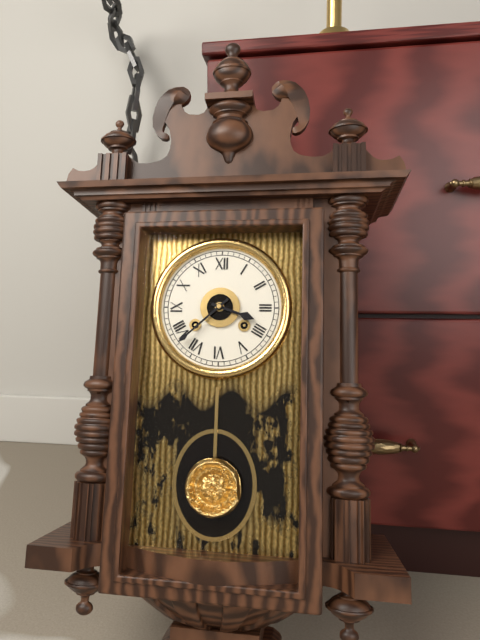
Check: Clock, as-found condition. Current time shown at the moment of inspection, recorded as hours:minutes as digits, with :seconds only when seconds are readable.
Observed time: 3:38
